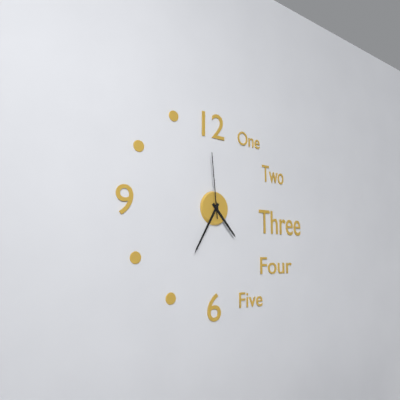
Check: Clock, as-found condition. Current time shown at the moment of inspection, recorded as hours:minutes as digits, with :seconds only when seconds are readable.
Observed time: 4:35:59
